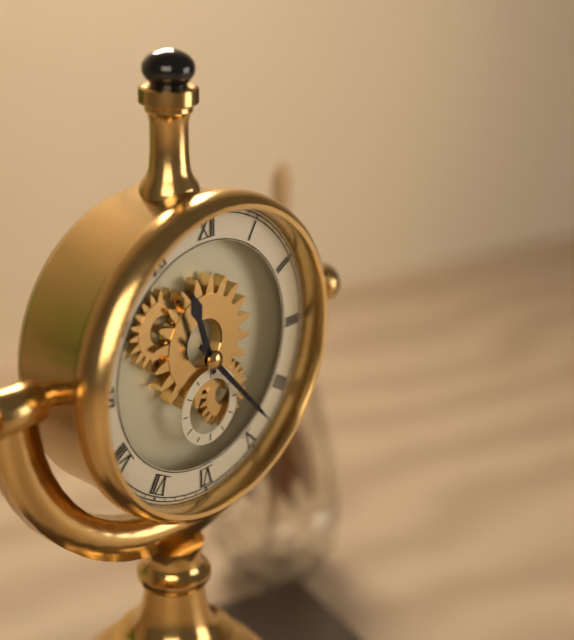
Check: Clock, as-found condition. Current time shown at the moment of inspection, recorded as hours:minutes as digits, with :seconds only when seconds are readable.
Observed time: 11:23
